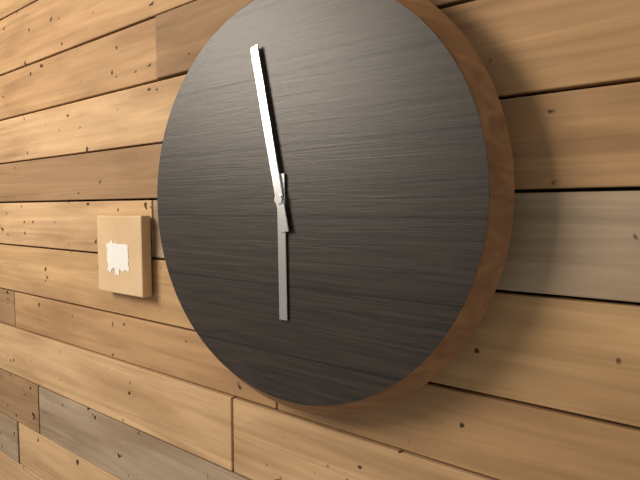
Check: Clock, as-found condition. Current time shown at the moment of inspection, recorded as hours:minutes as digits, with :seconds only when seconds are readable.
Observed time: 5:58
